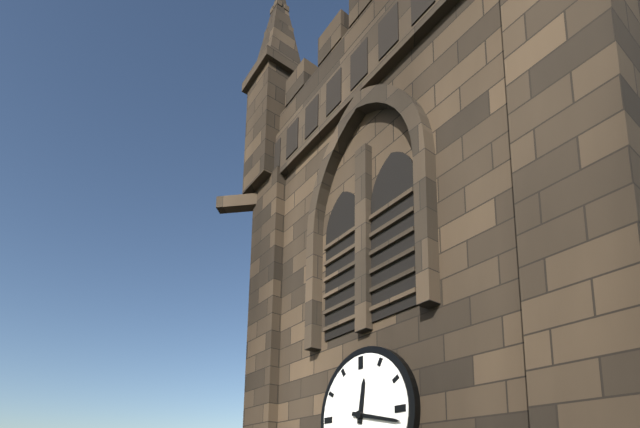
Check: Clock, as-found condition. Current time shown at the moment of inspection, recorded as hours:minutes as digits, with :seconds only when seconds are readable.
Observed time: 12:17
